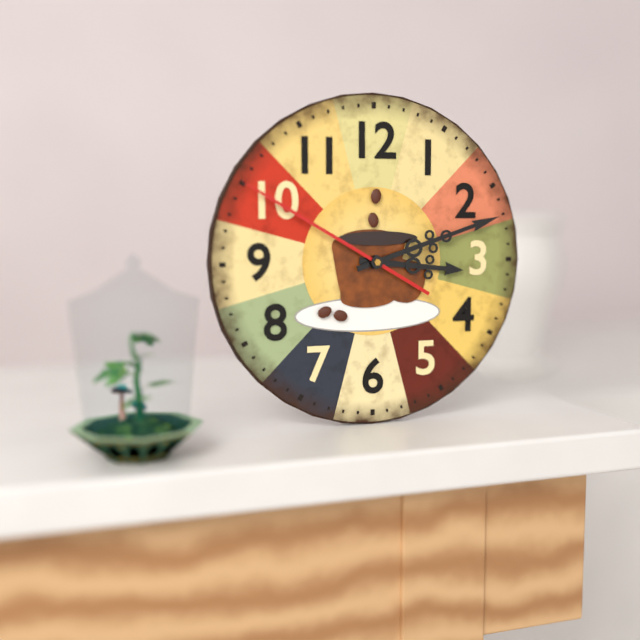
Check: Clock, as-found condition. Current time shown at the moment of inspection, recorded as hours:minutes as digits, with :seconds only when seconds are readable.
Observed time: 3:12:50
